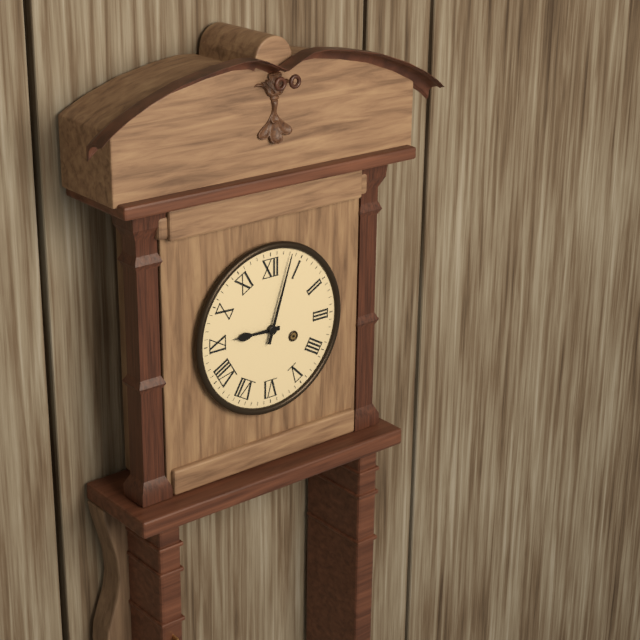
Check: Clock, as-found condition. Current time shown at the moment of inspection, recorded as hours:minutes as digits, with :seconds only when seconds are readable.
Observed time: 9:03
